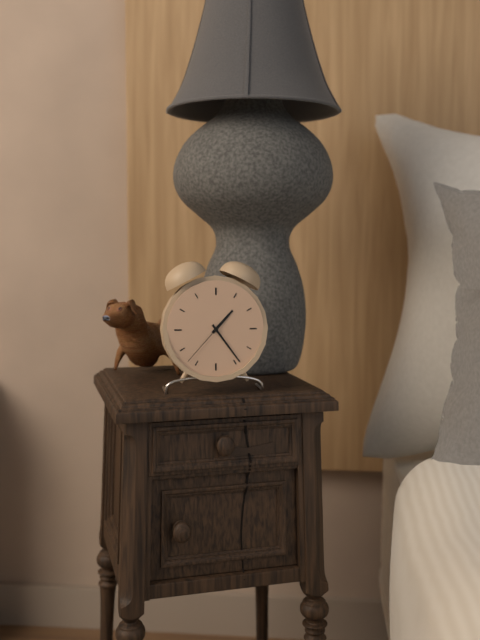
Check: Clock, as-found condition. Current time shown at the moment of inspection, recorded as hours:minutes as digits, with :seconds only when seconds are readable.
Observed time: 1:24:37
